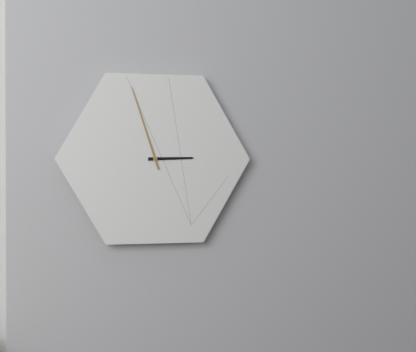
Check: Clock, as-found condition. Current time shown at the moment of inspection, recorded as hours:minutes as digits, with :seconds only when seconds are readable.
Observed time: 2:57
